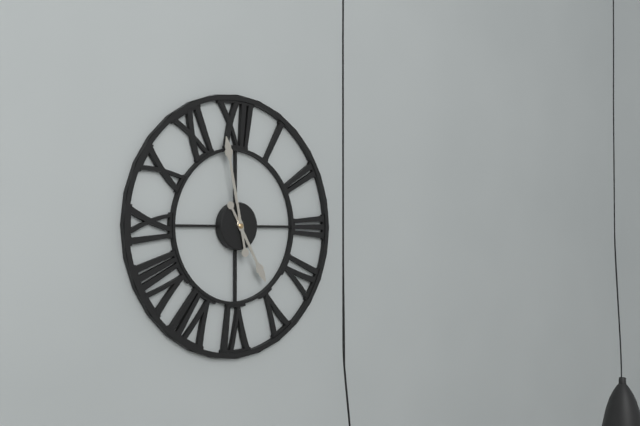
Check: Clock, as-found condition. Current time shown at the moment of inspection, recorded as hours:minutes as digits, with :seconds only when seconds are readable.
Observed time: 4:58
